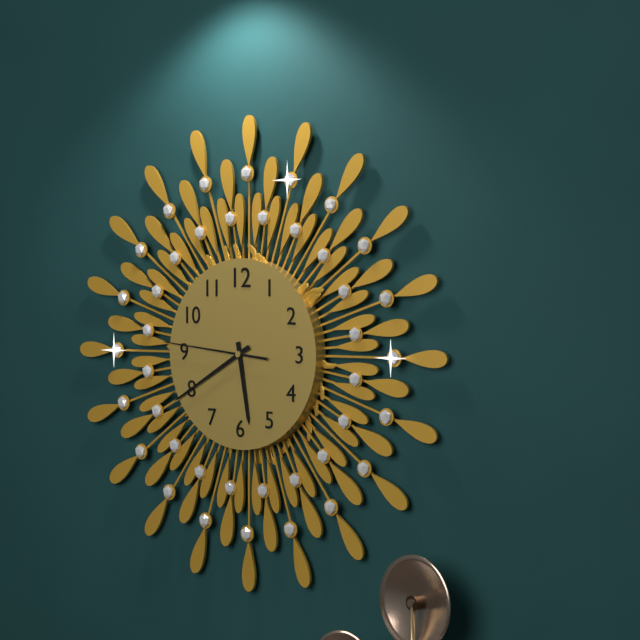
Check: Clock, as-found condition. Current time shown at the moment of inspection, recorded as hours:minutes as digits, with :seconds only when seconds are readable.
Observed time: 5:40:46
